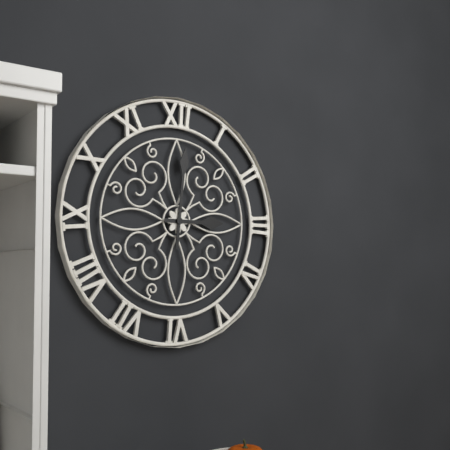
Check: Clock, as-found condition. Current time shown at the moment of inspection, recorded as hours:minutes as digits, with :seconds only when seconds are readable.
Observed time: 3:01
